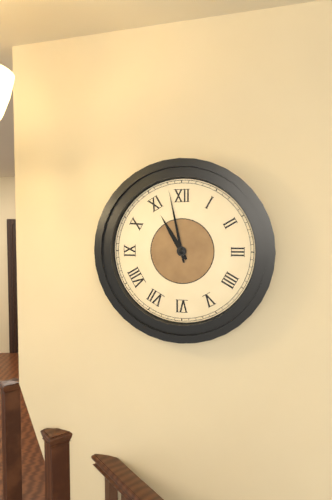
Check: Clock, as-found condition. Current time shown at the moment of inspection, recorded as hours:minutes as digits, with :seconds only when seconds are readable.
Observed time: 10:58
